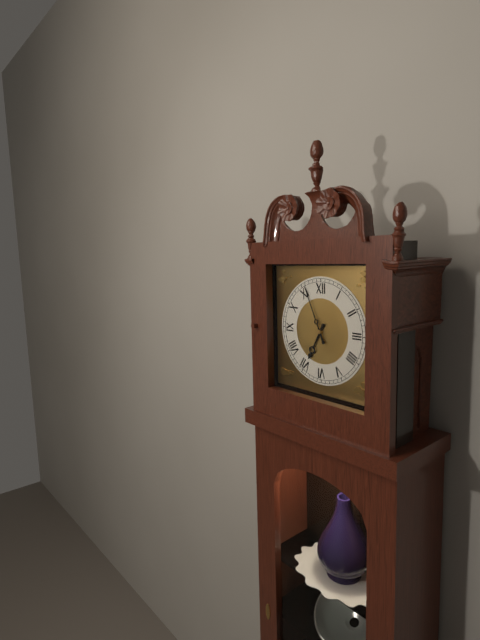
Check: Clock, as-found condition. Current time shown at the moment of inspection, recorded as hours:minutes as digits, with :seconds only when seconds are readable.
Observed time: 6:56
